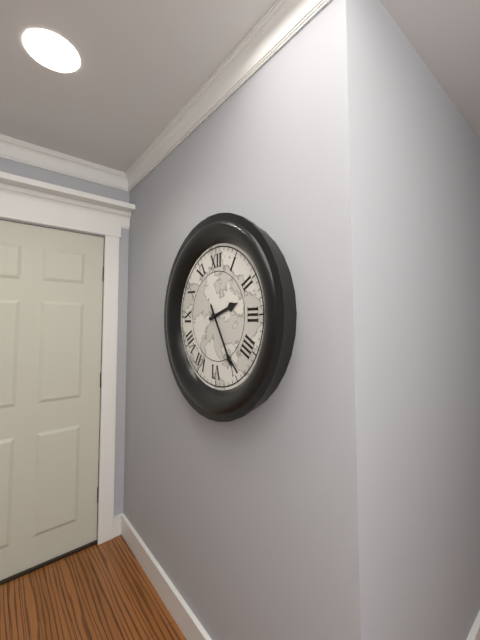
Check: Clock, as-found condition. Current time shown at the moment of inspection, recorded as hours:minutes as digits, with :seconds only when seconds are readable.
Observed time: 2:25
